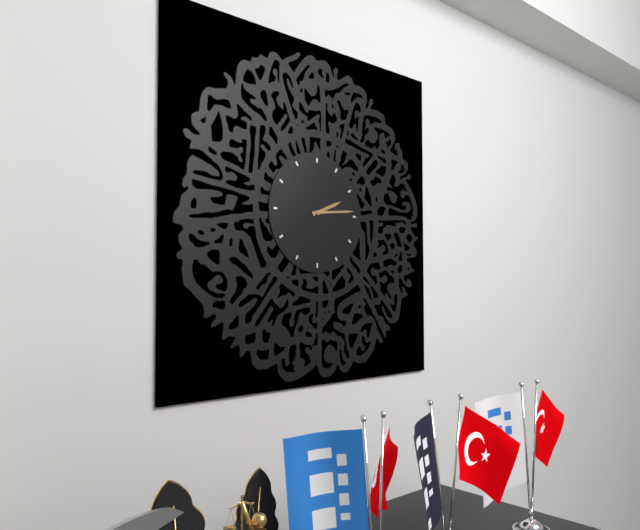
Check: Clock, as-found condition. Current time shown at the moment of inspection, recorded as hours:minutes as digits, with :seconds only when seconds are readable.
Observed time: 2:14
